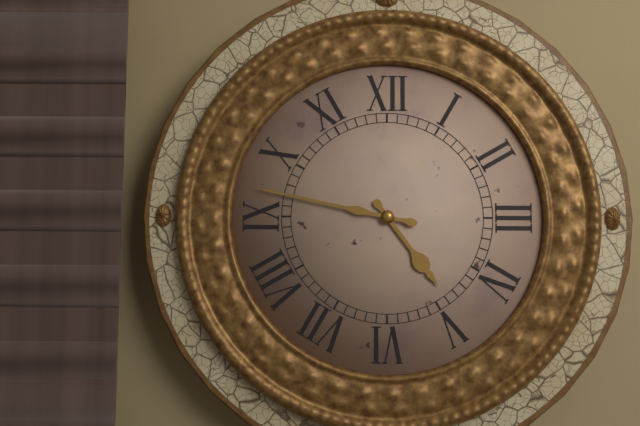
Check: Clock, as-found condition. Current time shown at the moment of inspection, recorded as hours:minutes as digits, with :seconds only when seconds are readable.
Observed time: 4:47
